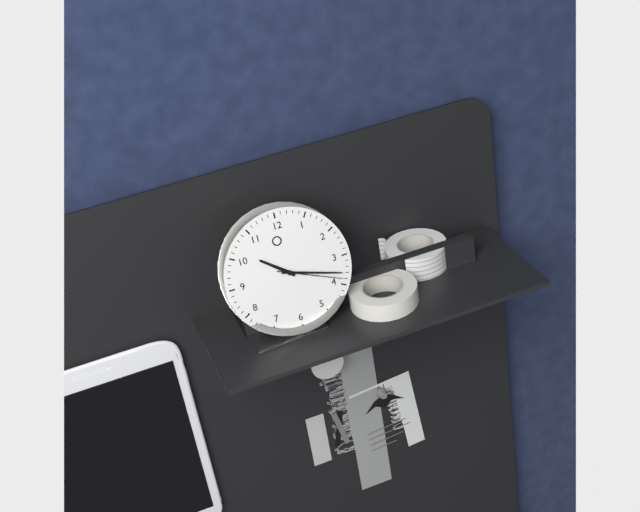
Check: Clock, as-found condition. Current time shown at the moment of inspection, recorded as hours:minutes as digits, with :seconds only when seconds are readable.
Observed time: 10:18:19
